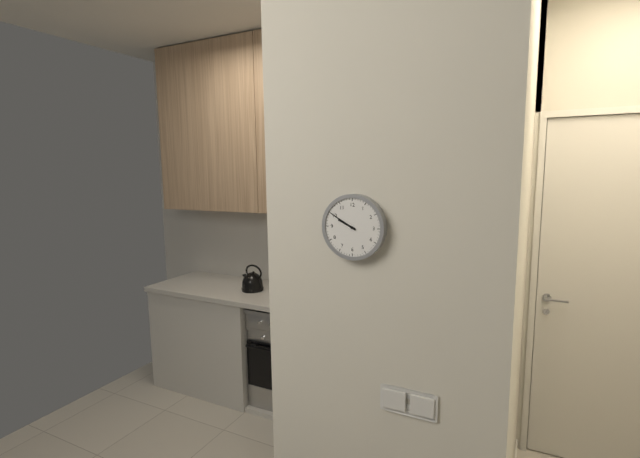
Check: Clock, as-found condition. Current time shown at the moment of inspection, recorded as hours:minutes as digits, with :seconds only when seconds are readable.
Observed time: 9:50
